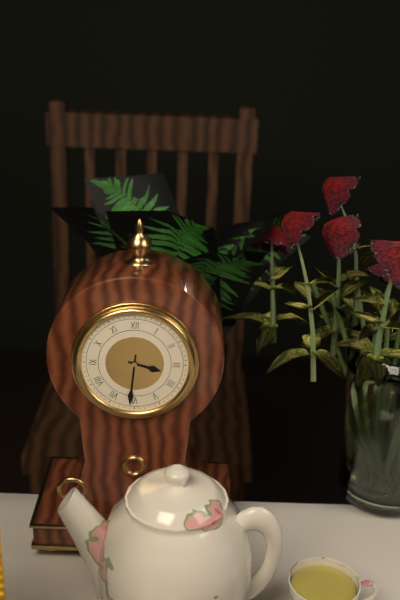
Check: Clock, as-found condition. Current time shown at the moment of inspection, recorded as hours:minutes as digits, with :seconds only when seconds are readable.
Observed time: 3:31
